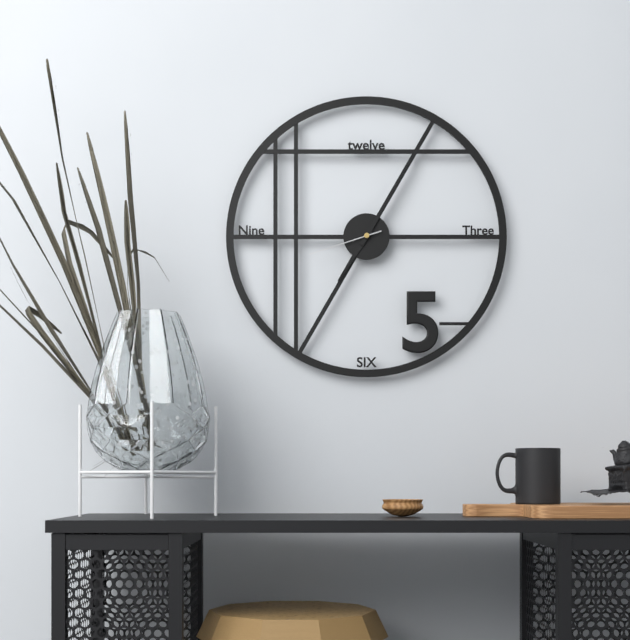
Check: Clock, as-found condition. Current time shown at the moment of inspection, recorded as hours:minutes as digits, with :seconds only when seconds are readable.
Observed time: 7:05:42
